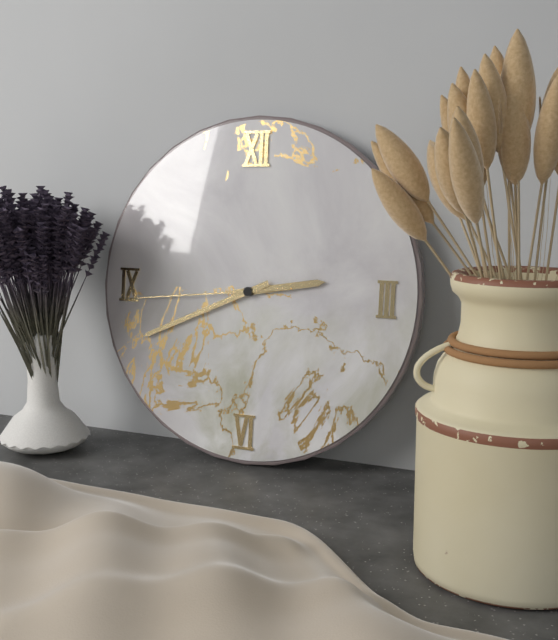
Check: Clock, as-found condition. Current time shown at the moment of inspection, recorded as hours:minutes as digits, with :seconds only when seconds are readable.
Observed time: 2:41:44
